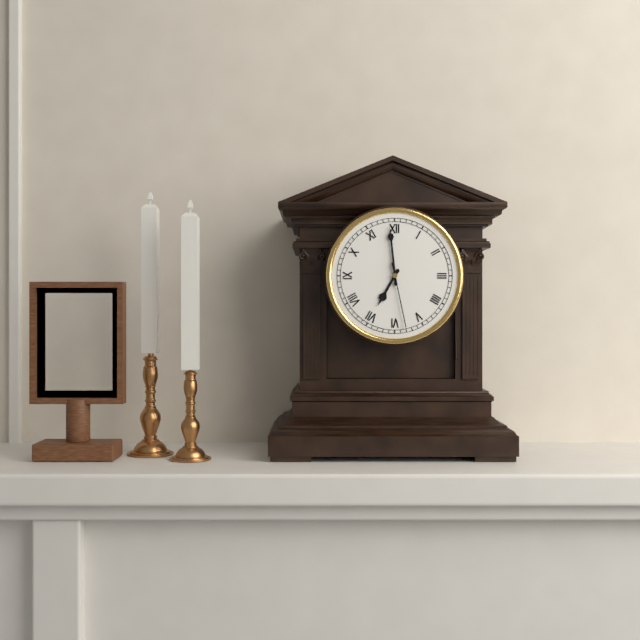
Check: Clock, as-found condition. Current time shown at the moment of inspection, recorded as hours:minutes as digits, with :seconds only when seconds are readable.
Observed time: 6:59:28
